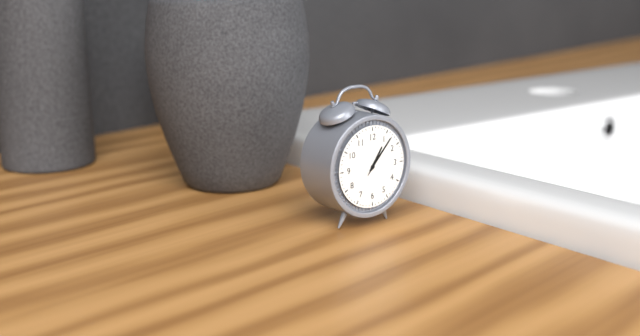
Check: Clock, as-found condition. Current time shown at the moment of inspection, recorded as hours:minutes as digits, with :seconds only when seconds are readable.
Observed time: 1:07
